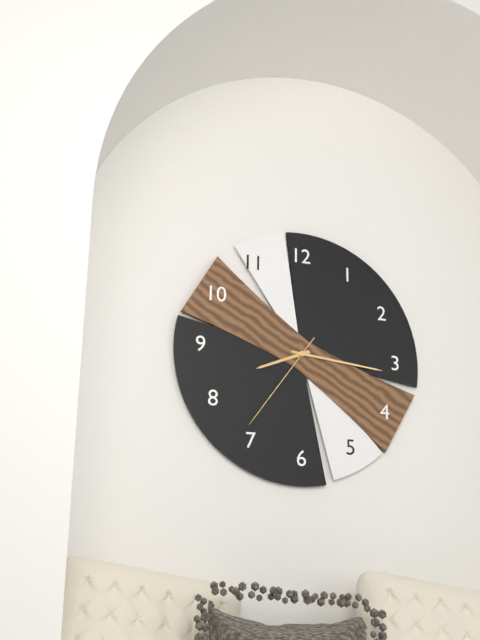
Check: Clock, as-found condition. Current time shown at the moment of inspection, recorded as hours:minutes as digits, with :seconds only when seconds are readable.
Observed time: 8:16:36
